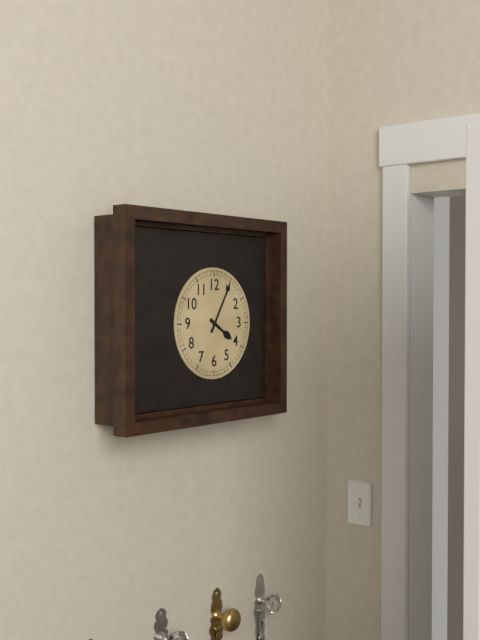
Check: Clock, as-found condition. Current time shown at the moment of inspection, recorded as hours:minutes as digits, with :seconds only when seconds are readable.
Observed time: 4:05
